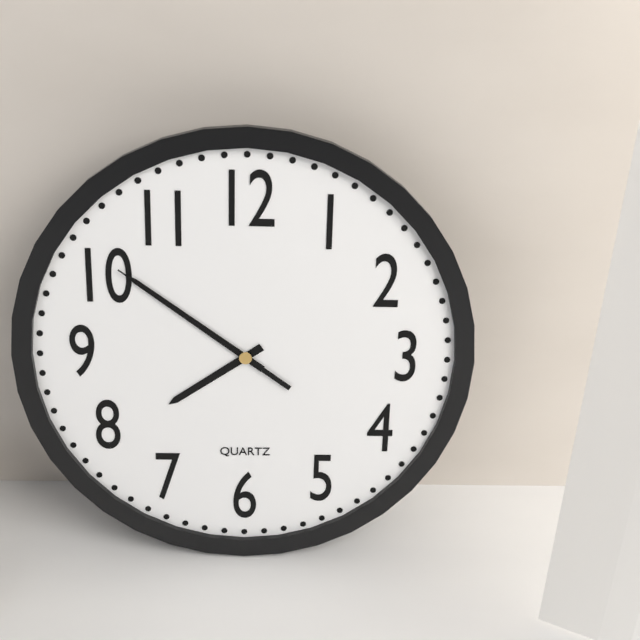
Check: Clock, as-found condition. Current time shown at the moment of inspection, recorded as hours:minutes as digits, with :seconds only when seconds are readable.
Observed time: 7:51:51
